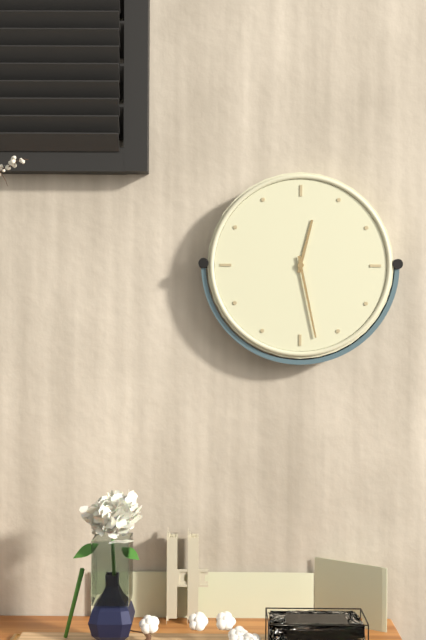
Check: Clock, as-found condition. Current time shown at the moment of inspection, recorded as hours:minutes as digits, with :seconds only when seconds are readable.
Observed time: 12:28
